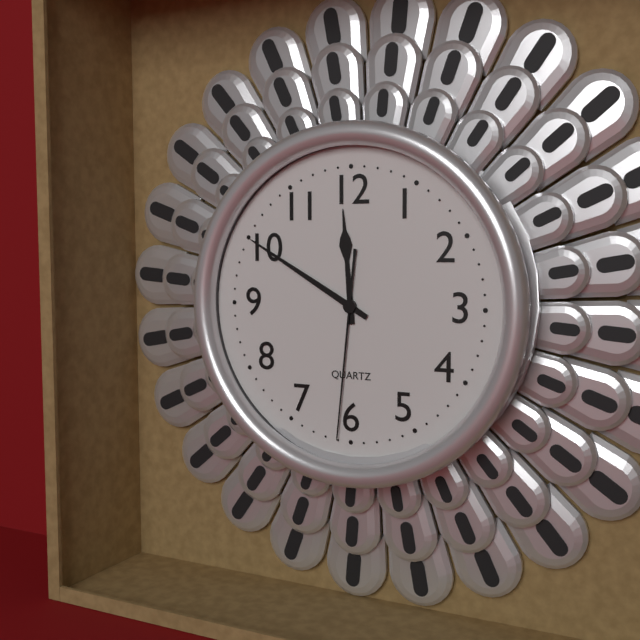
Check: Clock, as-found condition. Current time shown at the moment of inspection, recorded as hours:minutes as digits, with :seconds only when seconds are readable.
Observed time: 11:50:31
